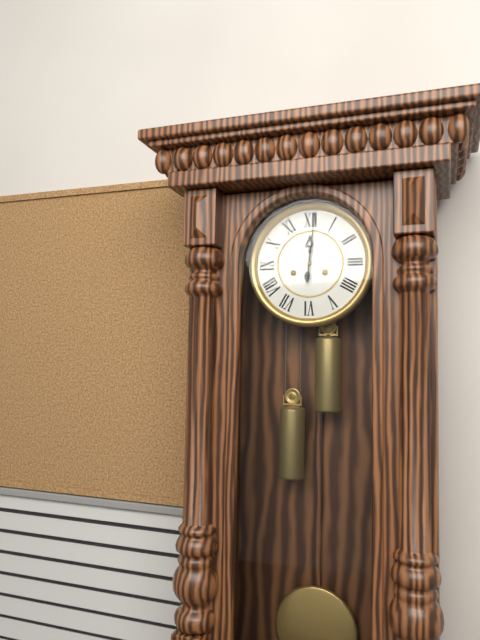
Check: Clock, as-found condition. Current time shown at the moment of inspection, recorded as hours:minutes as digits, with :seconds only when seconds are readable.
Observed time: 12:01
